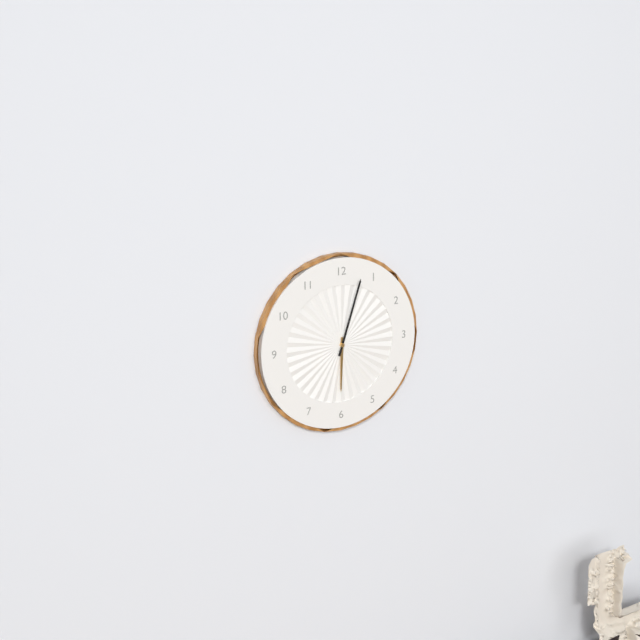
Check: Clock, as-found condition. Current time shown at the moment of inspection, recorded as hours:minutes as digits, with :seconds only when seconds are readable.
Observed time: 6:03
